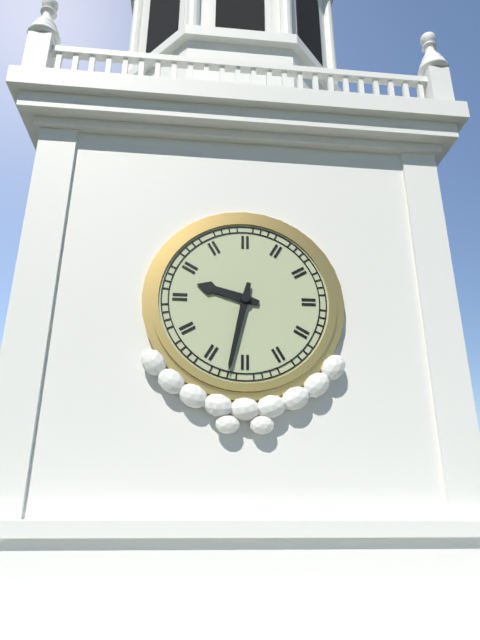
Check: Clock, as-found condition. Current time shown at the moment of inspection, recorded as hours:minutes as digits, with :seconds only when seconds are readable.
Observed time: 9:32
